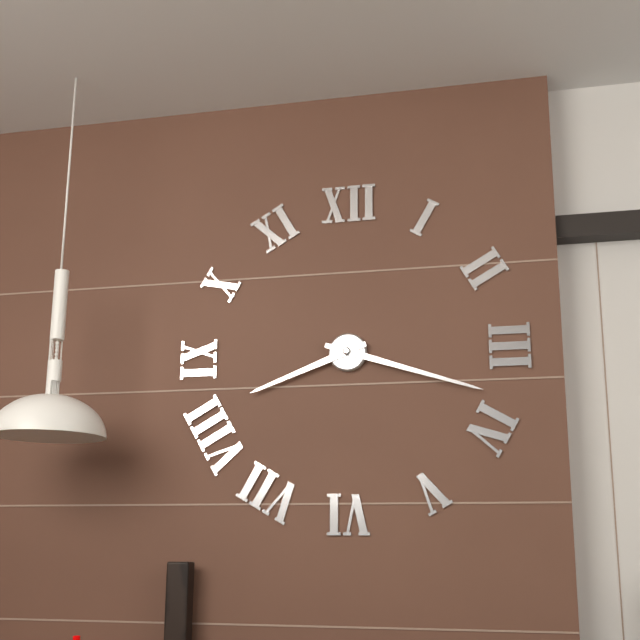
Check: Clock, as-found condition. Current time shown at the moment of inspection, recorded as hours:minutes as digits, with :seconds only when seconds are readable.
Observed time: 8:18
